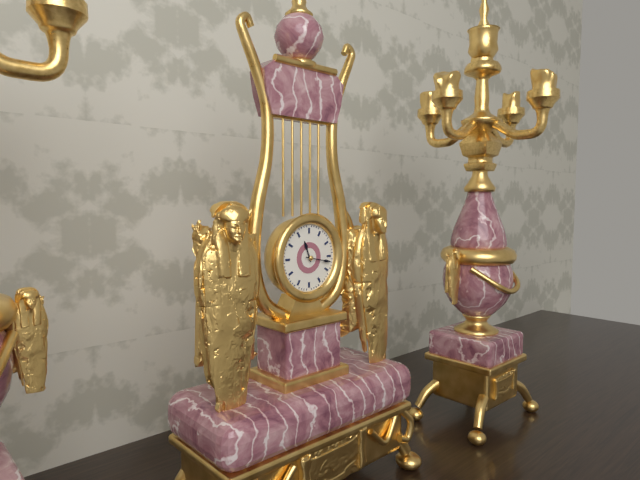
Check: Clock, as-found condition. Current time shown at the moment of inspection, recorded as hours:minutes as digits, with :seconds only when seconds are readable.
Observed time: 11:17
